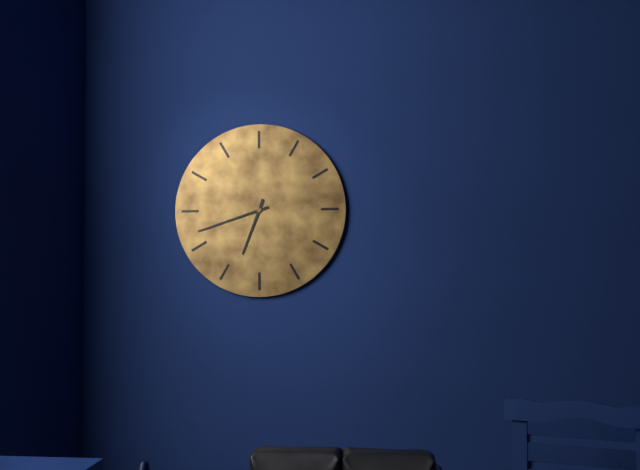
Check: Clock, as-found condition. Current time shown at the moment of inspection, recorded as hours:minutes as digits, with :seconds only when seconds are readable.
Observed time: 6:42
